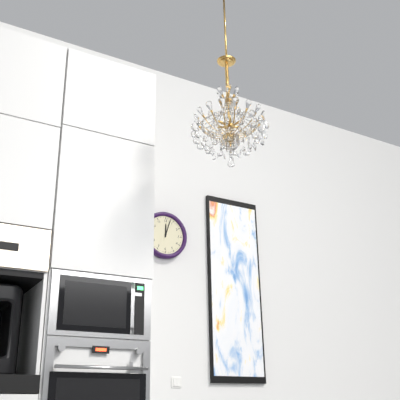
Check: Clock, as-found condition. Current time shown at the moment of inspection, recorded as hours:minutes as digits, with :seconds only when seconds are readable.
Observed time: 12:03
